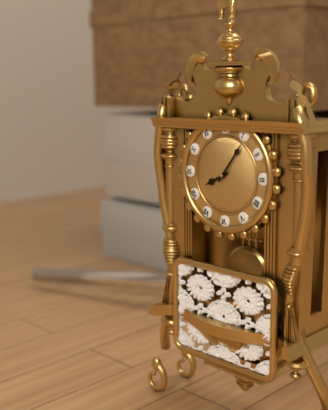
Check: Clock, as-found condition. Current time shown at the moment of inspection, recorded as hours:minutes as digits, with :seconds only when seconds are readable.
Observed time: 8:06
